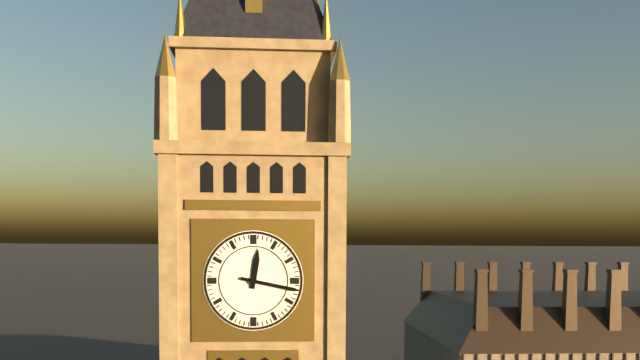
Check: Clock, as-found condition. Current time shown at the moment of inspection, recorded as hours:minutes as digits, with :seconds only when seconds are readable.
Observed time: 12:17
